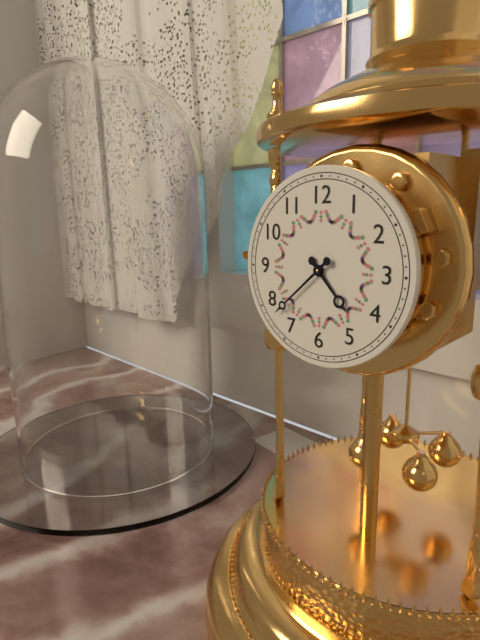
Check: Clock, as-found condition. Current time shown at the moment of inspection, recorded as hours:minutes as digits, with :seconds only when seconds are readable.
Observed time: 4:38
